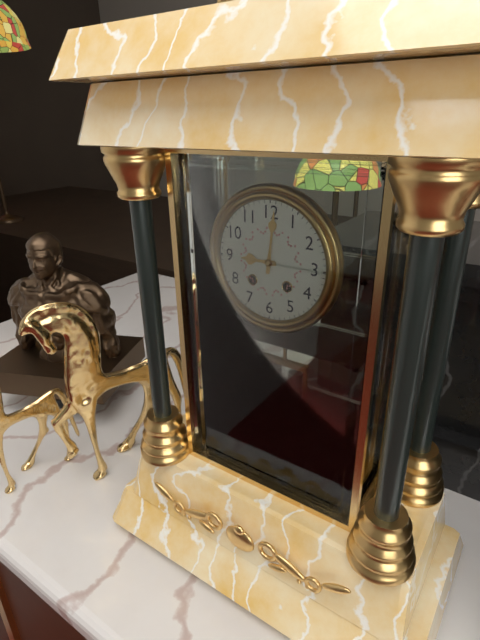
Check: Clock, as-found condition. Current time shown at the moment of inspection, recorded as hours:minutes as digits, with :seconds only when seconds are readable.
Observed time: 9:01
